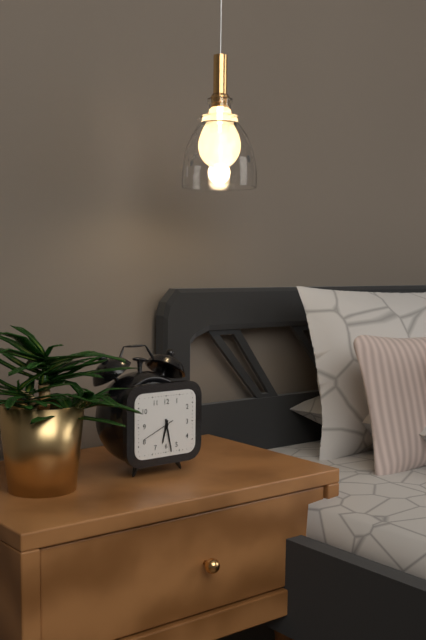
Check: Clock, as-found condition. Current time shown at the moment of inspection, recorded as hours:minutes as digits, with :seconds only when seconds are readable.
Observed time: 6:28
